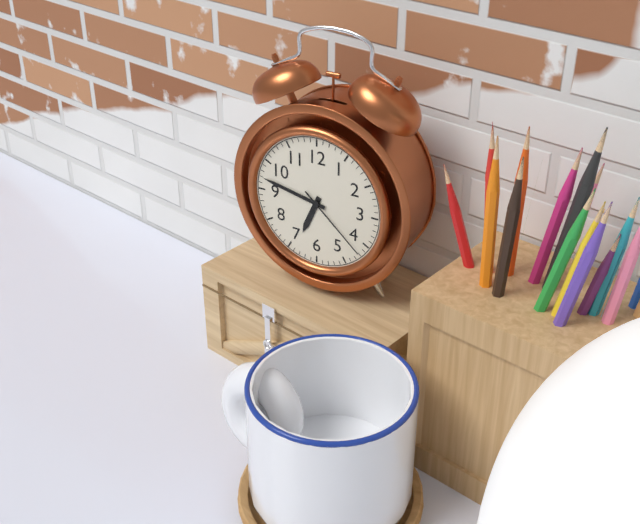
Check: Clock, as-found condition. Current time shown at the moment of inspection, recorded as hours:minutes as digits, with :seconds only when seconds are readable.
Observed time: 6:47:22
